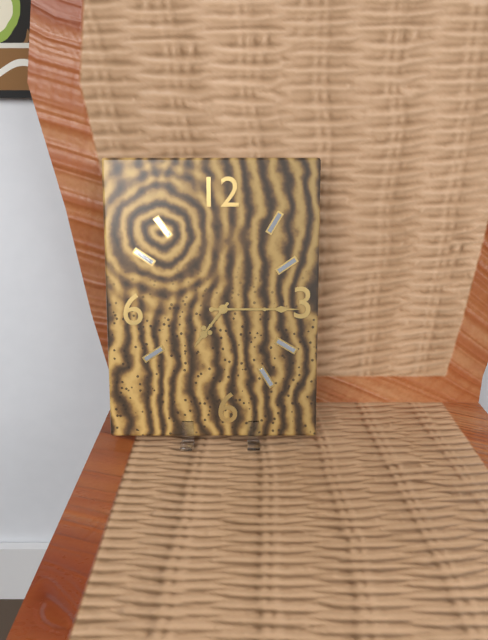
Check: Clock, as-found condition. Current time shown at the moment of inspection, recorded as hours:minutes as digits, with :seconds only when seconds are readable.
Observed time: 7:15
